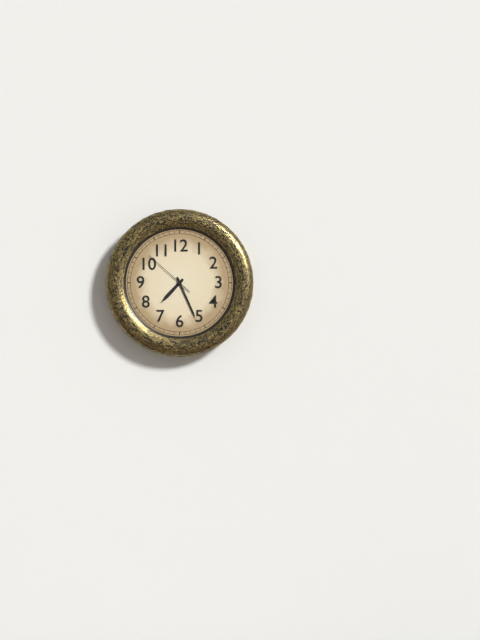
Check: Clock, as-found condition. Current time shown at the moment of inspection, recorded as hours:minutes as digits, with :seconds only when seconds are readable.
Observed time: 7:26:52
